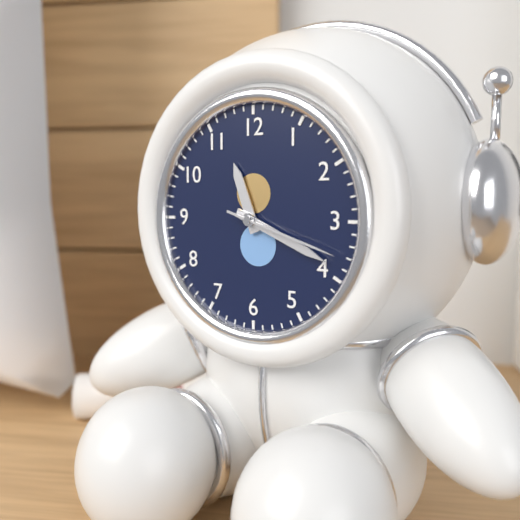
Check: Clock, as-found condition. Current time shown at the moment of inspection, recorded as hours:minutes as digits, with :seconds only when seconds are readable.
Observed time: 11:19:18
